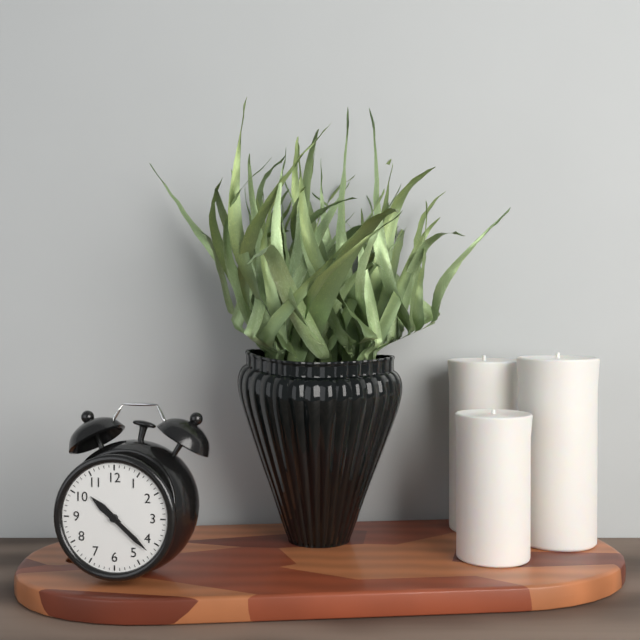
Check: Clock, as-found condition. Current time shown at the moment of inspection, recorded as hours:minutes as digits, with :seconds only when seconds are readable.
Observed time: 10:22
